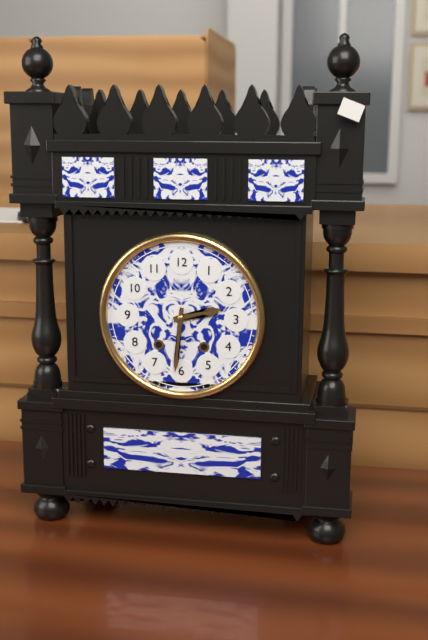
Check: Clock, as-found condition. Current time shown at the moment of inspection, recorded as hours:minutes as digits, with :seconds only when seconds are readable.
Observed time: 2:31
